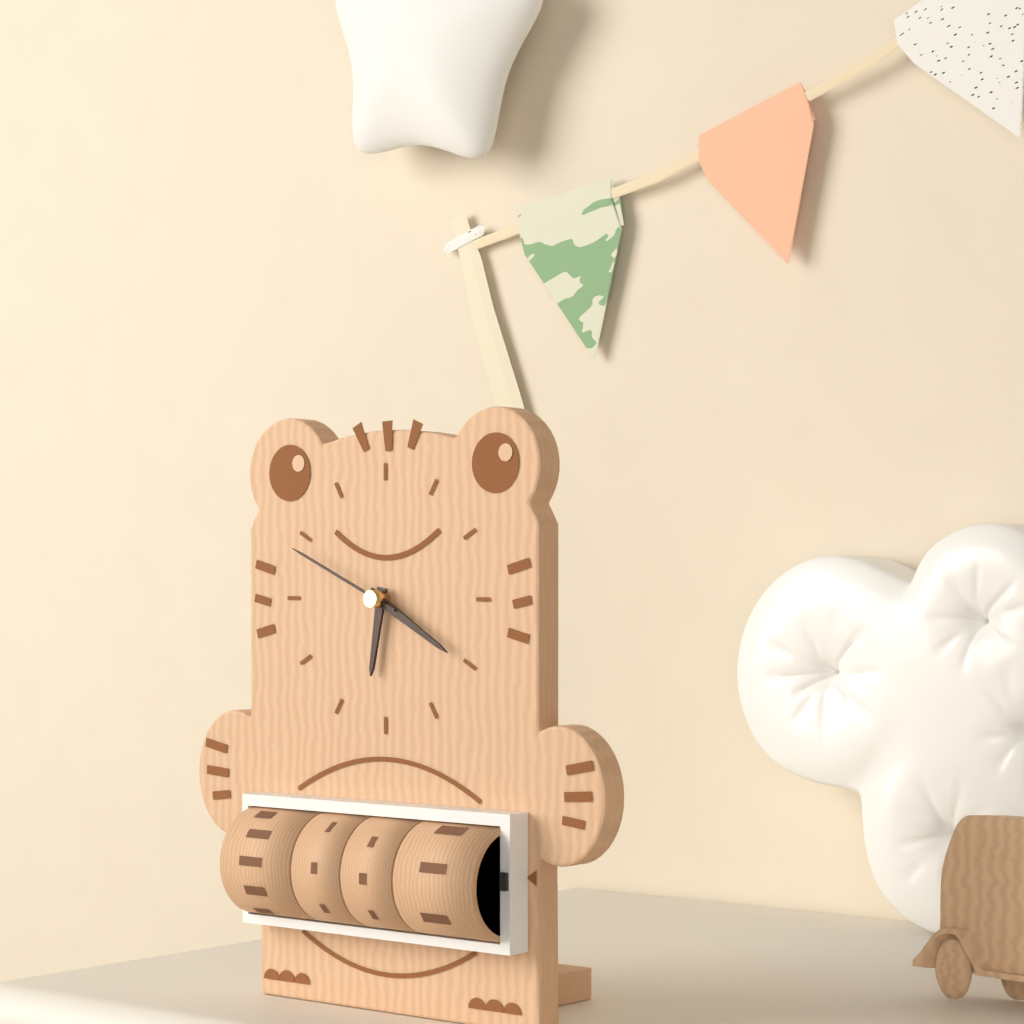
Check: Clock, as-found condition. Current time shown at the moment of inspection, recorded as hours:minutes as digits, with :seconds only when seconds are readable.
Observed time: 6:20:49
